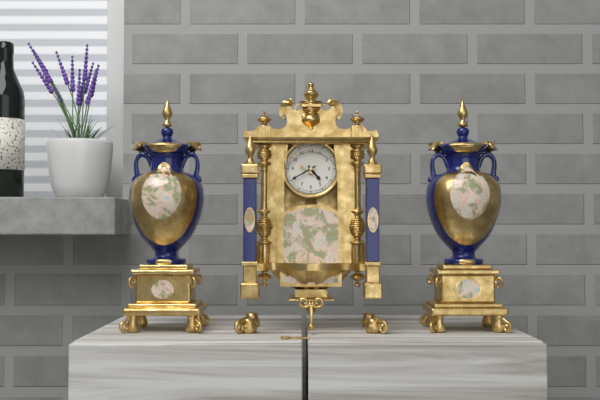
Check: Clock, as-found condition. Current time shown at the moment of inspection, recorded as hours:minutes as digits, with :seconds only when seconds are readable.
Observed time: 4:40
